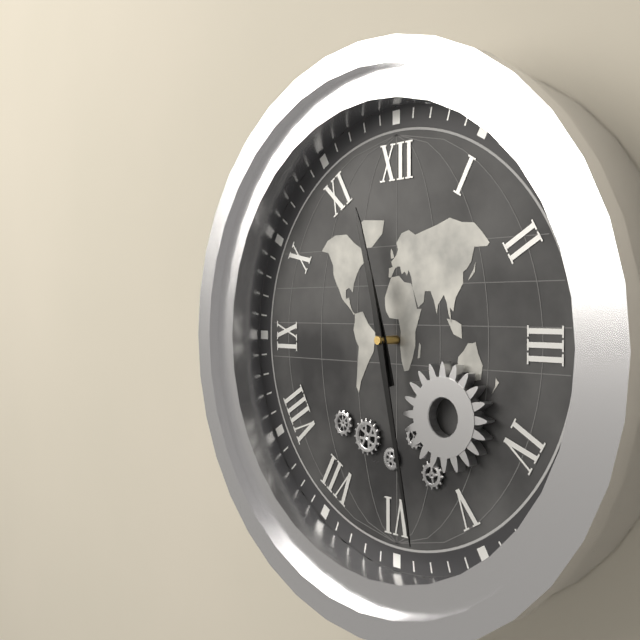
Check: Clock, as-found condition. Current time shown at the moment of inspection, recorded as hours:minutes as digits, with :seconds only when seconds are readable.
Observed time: 11:28
